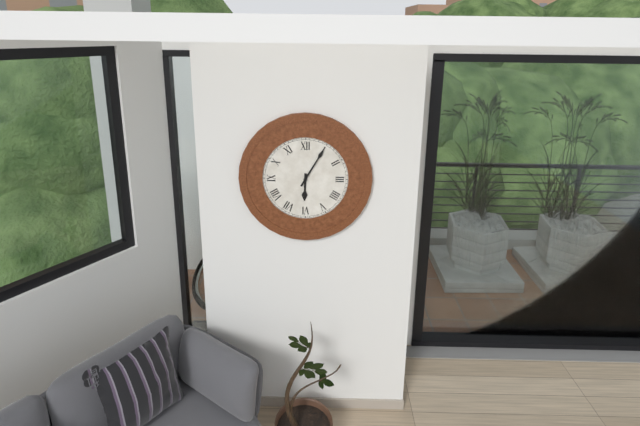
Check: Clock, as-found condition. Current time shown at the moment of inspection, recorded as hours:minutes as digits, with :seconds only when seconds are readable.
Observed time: 6:05
